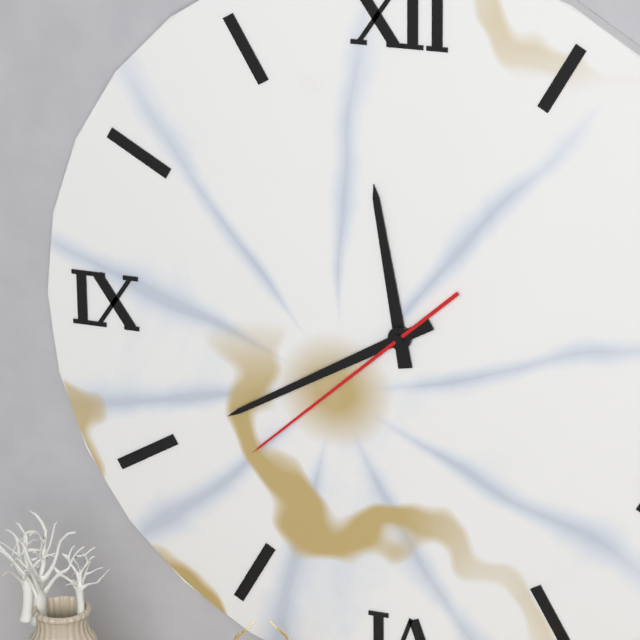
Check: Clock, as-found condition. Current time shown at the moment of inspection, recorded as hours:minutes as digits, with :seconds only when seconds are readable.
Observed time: 11:40:38
